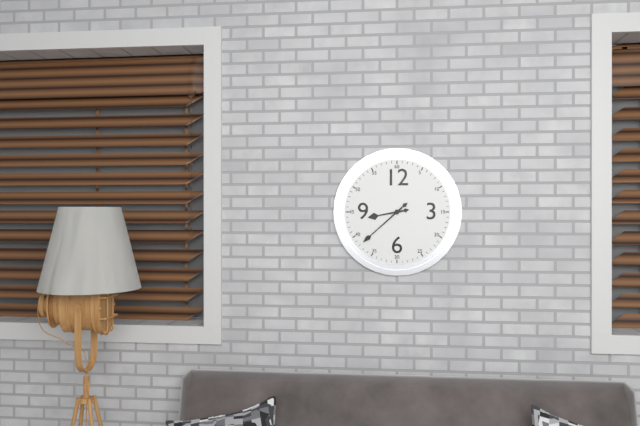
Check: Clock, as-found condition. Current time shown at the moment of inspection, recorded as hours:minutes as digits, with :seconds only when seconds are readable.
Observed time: 8:38
